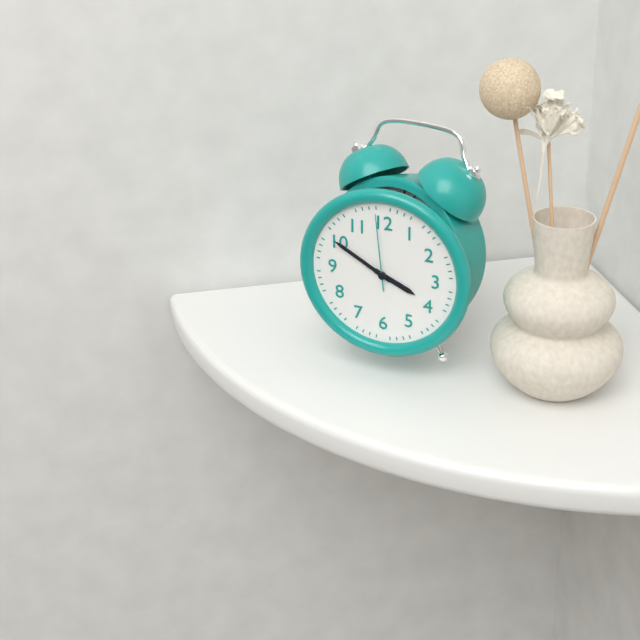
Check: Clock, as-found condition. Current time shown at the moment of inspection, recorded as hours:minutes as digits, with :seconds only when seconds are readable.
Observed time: 3:50:59
